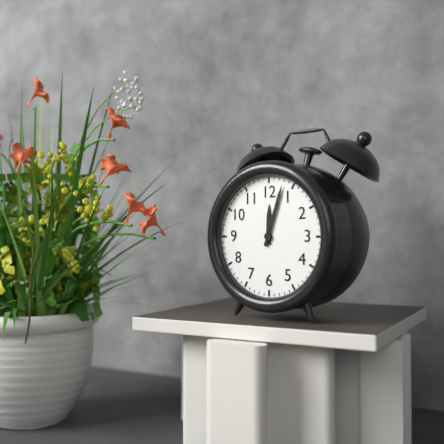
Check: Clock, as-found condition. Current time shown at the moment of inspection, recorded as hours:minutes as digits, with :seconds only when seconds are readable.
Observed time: 12:03
